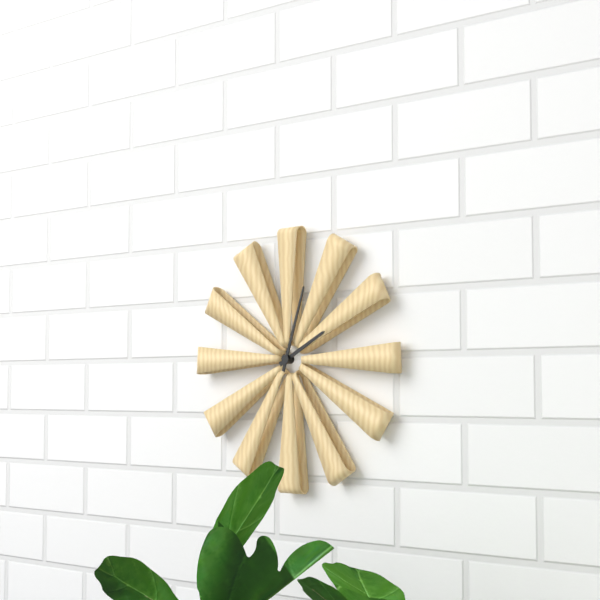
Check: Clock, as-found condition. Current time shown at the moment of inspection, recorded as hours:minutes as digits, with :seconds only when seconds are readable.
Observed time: 2:03
